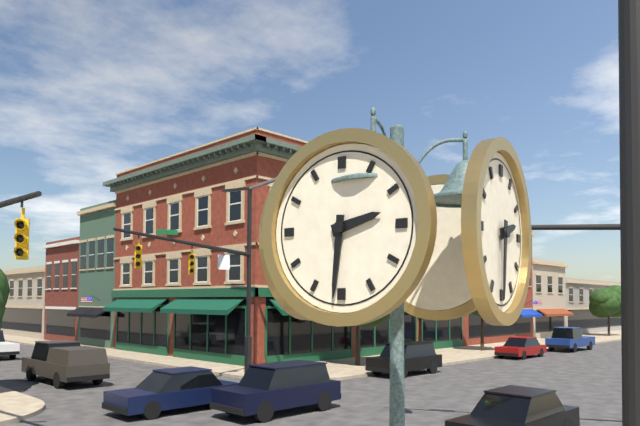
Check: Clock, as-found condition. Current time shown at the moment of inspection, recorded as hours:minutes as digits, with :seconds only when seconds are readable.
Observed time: 2:31
